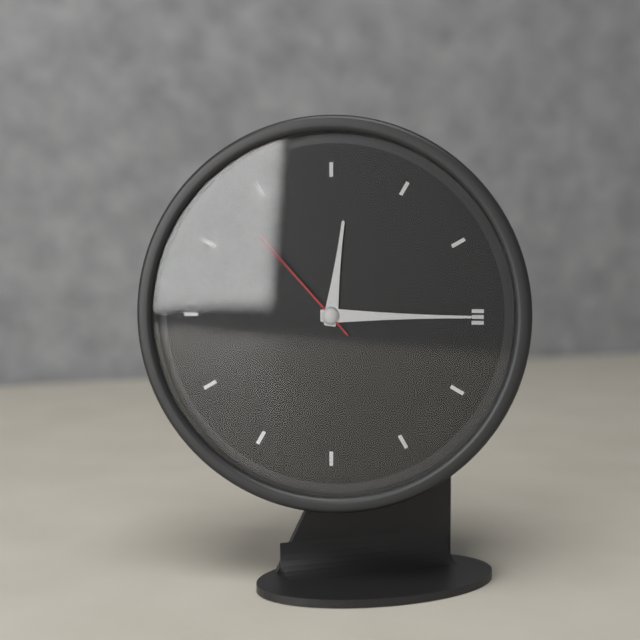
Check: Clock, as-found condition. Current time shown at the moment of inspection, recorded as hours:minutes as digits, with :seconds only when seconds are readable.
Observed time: 12:15:53
